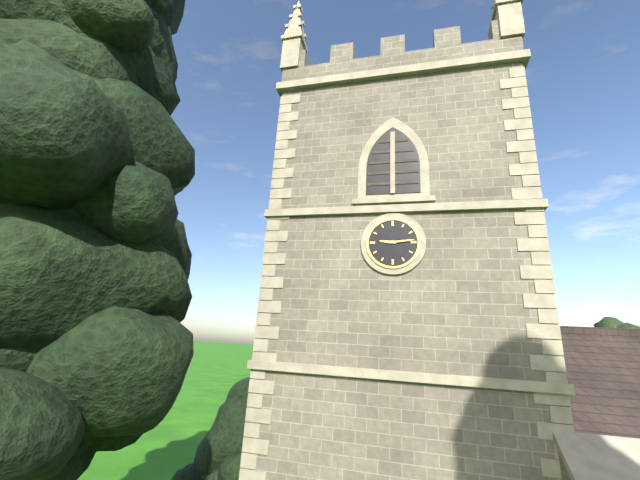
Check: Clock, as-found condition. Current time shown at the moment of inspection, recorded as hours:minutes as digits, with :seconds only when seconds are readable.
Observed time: 9:14
